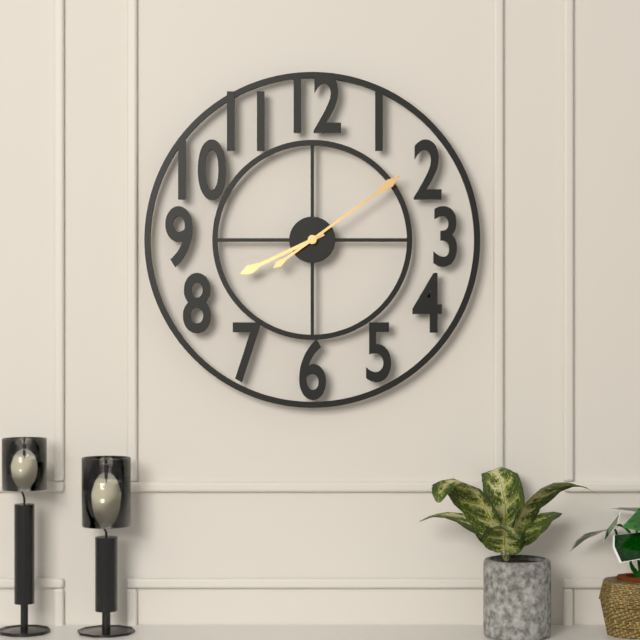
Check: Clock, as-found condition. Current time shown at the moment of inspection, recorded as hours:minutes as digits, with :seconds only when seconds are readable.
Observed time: 8:09
